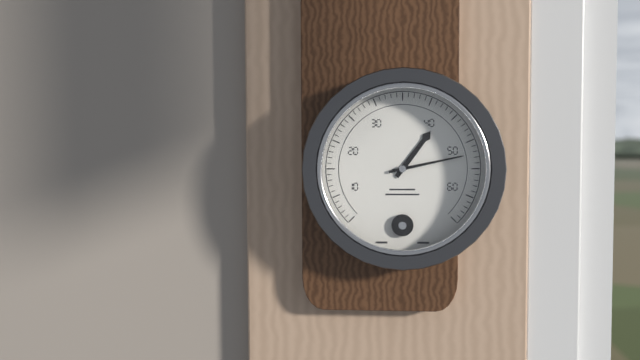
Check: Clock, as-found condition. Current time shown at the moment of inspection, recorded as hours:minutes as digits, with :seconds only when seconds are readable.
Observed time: 1:13
